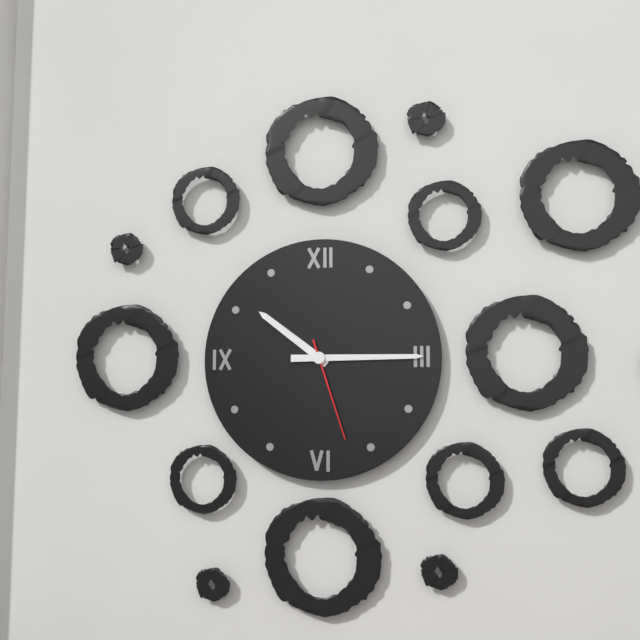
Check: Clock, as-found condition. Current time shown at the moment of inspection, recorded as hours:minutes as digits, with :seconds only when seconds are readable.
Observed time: 10:15:27
